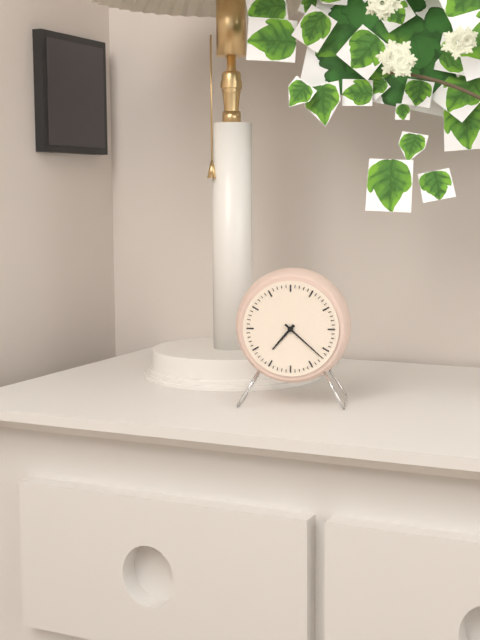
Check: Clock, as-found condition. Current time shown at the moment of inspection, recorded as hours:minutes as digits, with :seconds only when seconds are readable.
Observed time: 7:22
